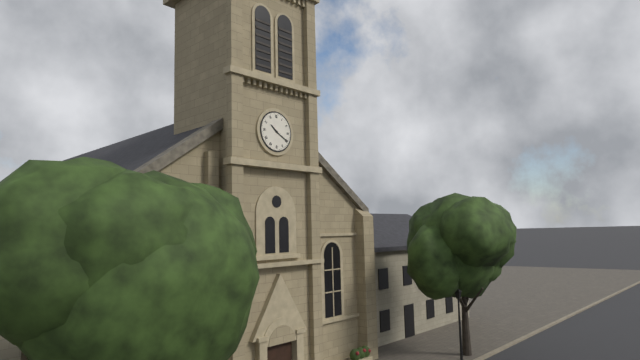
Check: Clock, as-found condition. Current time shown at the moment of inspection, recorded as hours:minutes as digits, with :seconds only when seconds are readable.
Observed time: 10:20
